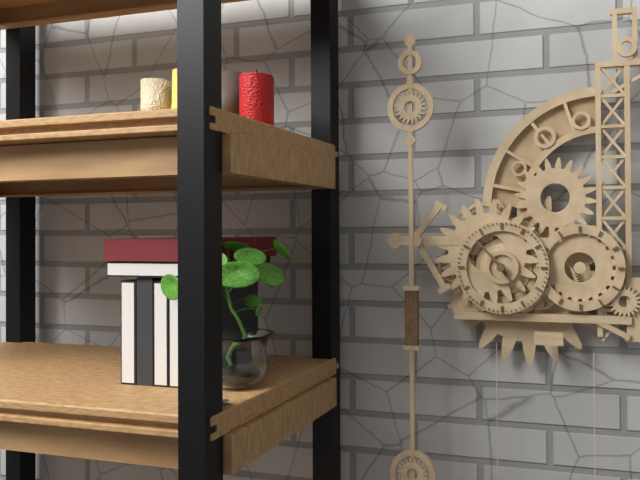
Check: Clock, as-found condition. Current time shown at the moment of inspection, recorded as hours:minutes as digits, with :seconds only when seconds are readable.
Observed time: 4:53
